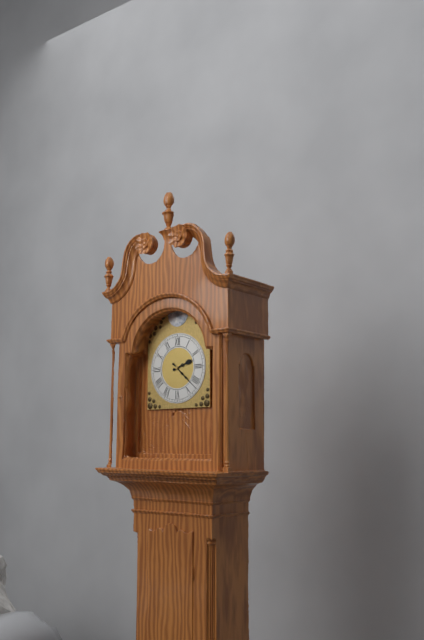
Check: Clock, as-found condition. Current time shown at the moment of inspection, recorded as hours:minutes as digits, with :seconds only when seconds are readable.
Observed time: 2:22
